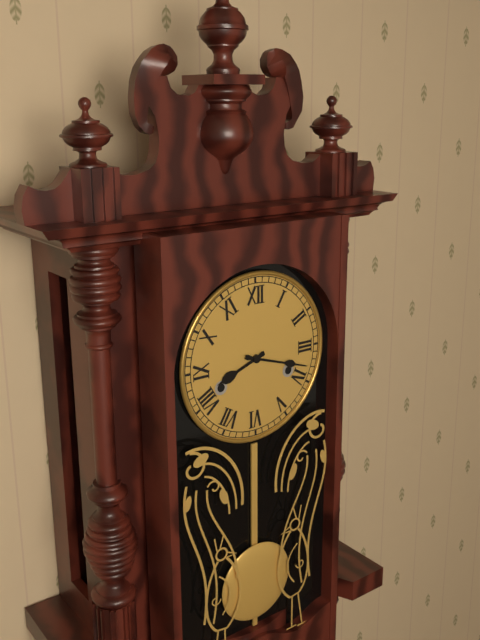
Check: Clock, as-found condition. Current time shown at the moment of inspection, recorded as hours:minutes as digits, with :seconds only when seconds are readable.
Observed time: 8:18
